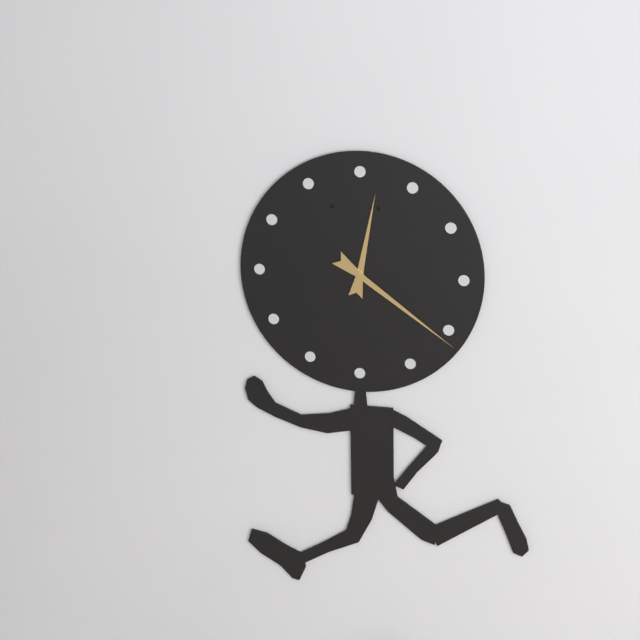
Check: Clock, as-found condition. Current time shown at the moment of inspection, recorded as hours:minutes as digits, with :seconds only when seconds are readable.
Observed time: 12:21
